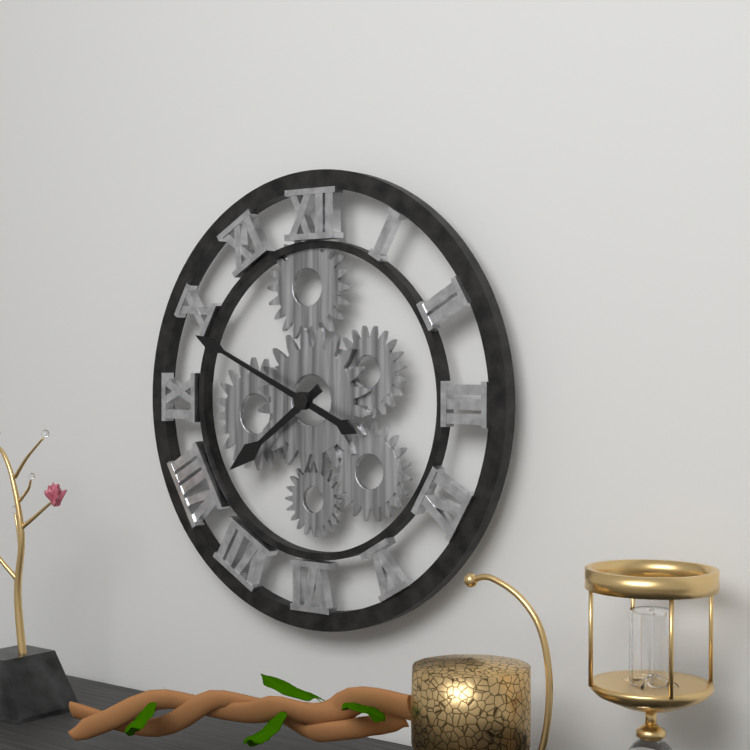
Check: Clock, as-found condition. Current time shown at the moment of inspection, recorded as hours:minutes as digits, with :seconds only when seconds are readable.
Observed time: 7:49
